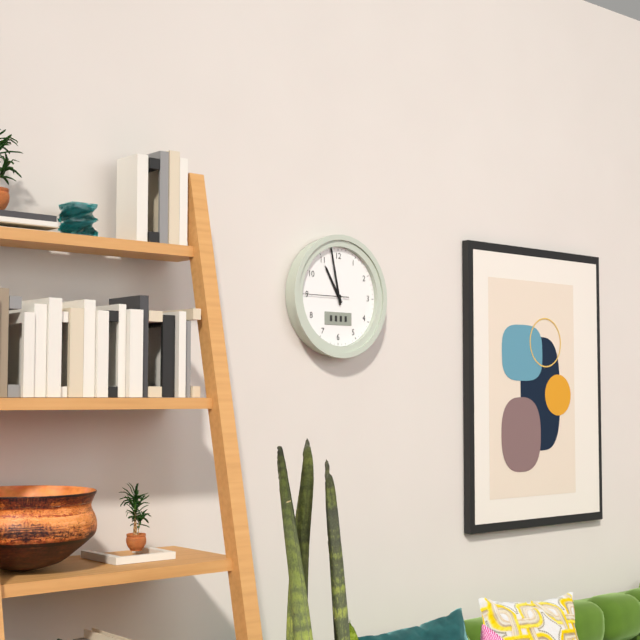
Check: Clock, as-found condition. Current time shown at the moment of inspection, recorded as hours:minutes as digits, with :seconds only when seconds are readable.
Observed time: 10:58:45
